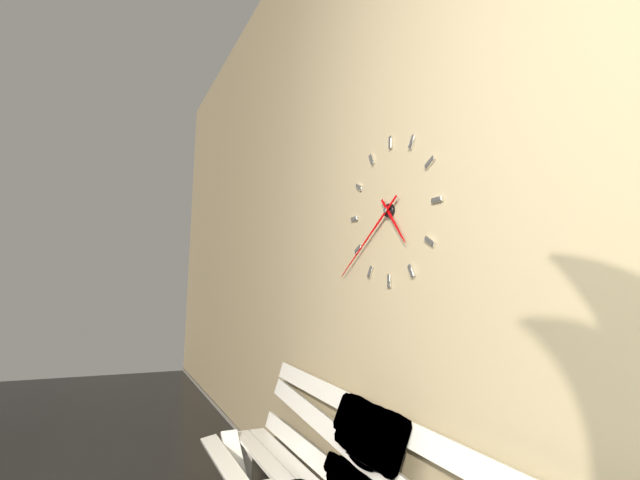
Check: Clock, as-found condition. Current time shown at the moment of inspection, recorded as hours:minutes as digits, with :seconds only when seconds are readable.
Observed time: 4:39
